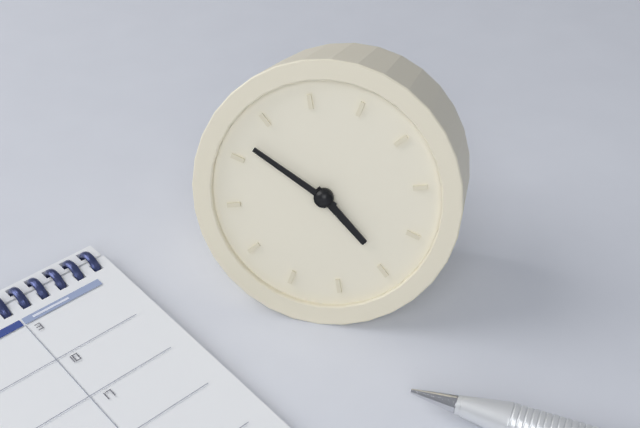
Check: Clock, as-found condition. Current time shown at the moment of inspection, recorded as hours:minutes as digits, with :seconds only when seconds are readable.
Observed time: 4:52
